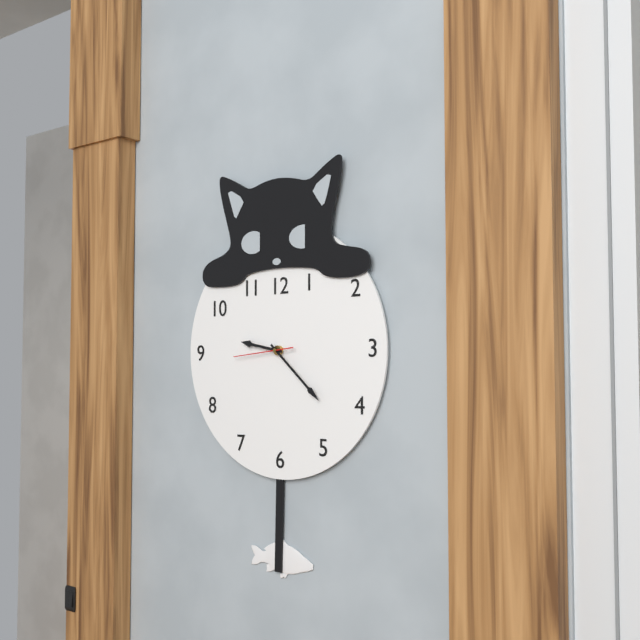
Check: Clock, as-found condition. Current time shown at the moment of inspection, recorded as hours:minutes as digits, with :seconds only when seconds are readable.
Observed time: 9:22:44
